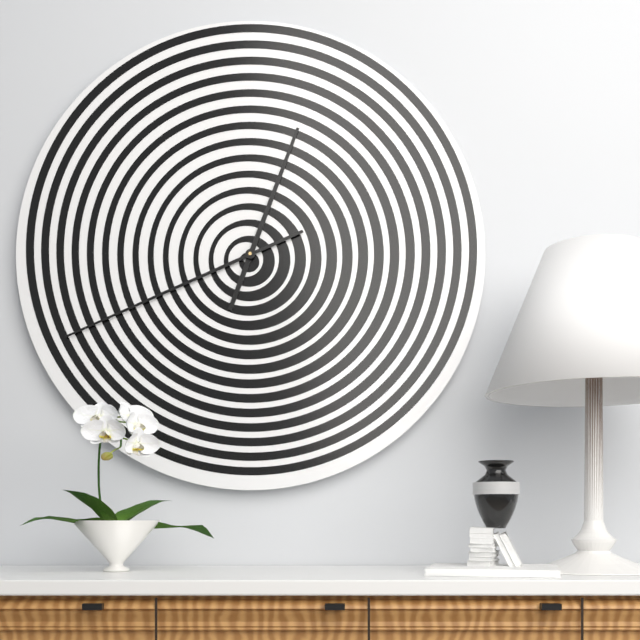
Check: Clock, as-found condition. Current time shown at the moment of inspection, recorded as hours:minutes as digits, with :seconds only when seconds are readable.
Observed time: 12:41
